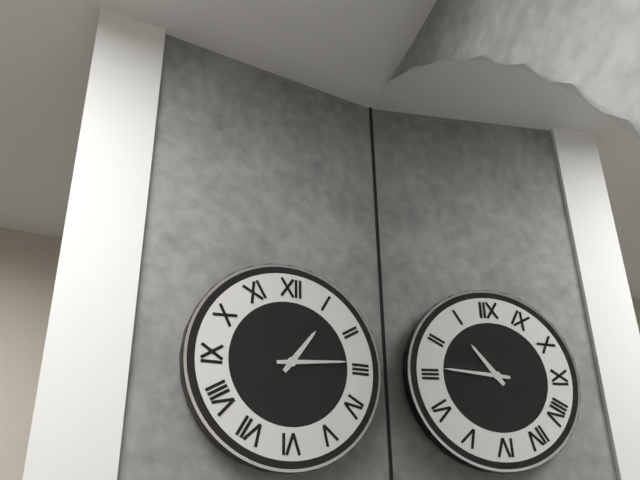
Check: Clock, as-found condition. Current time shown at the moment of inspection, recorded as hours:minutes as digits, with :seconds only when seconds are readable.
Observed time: 1:14
